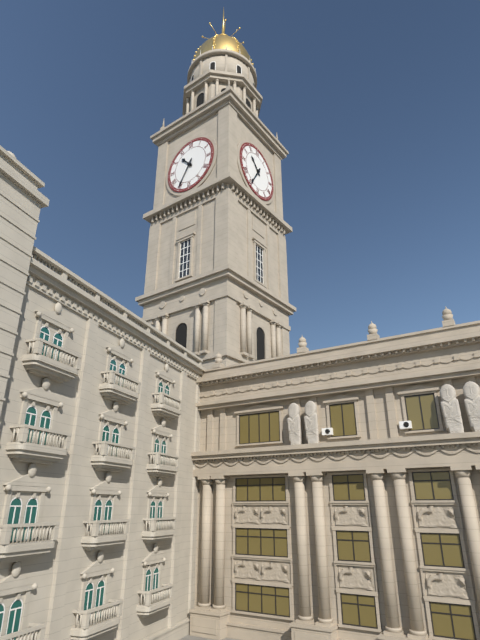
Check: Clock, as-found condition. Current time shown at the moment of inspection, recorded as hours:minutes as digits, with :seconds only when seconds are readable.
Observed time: 10:35
